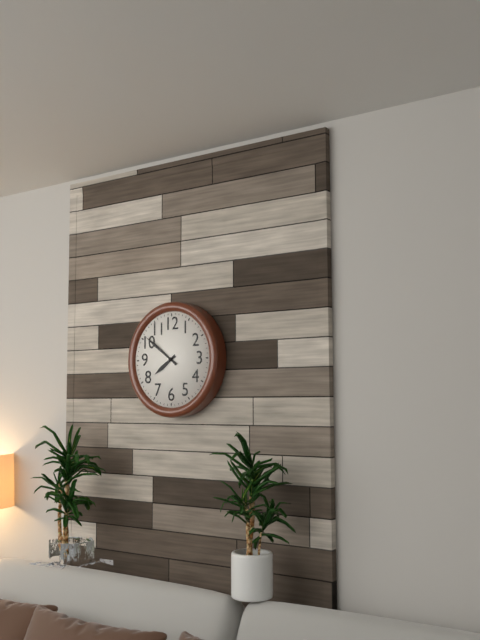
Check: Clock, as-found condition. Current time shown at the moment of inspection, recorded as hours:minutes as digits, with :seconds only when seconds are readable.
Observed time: 7:51
